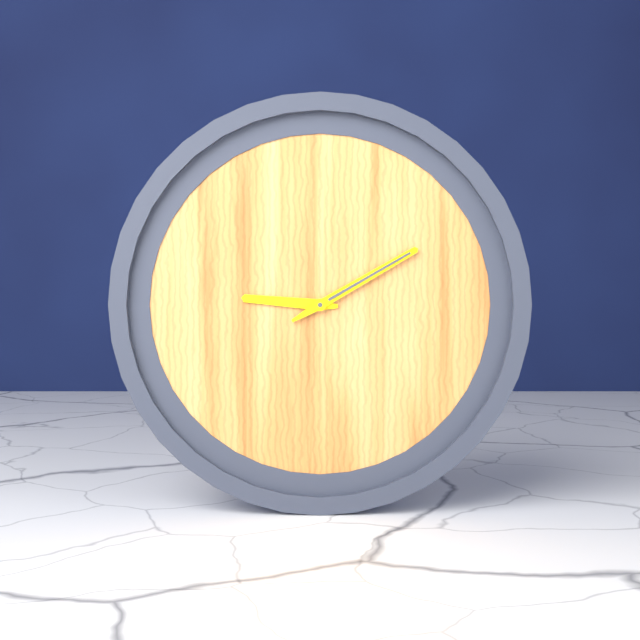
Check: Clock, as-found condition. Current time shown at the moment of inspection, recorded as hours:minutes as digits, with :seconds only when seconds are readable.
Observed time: 9:10
